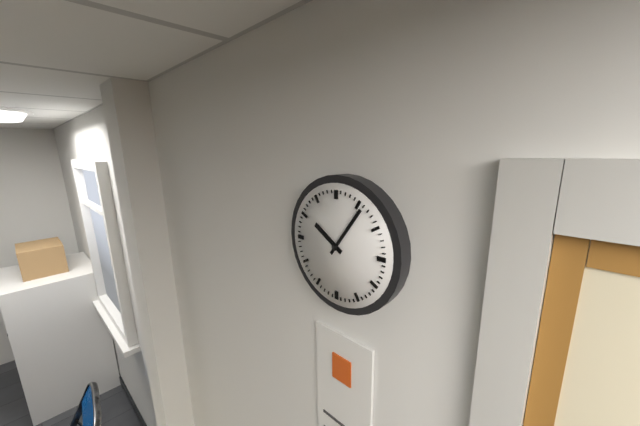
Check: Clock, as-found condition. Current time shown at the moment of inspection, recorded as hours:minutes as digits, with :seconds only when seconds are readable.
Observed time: 10:06
